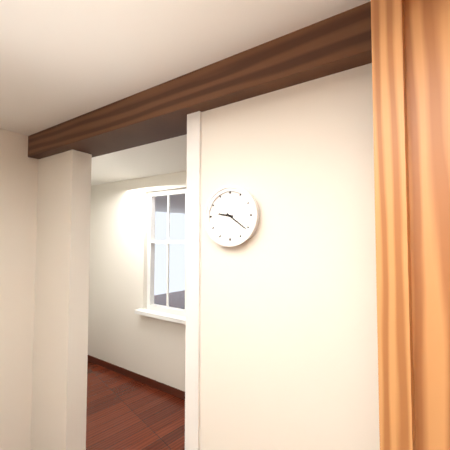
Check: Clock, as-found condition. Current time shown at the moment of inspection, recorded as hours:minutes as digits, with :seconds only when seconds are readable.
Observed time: 9:21
